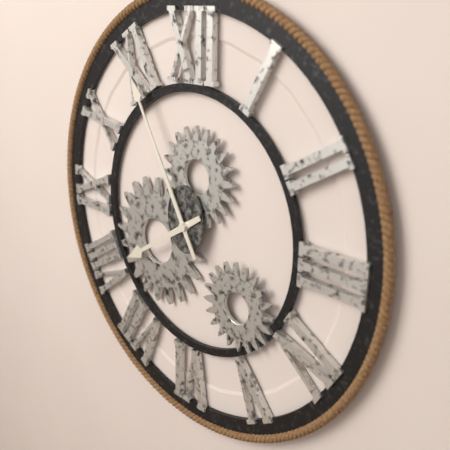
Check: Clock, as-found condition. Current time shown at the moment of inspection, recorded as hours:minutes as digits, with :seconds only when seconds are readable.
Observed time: 7:55
